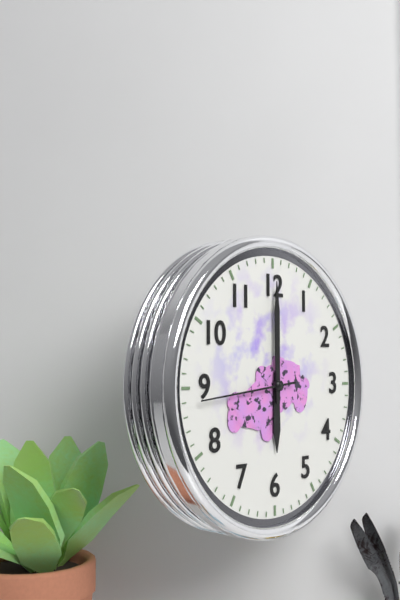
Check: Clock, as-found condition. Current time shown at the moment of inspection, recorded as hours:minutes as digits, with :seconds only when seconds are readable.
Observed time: 6:00:44
